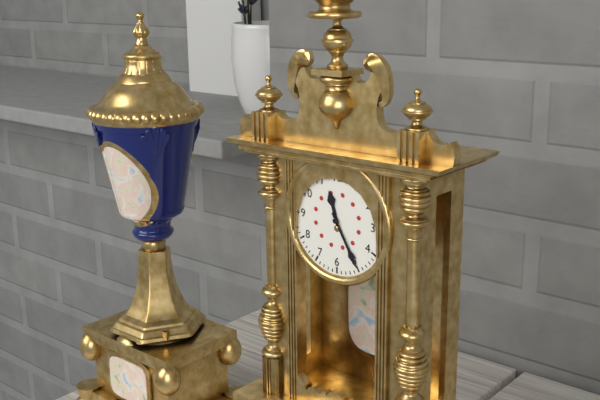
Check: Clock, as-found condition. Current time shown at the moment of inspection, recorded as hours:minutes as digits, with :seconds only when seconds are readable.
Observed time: 11:25
